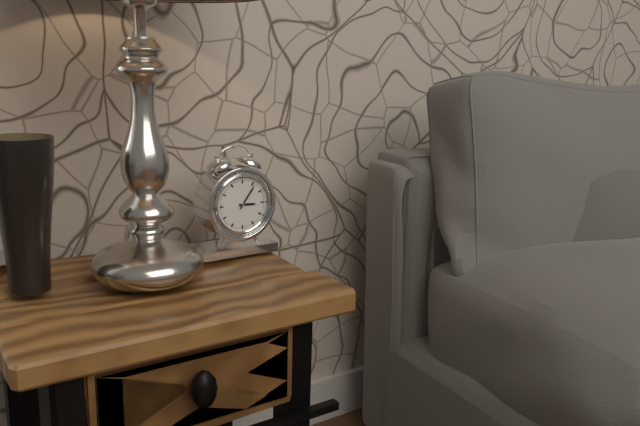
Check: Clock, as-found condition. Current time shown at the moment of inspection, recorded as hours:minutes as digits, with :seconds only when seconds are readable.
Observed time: 3:06
